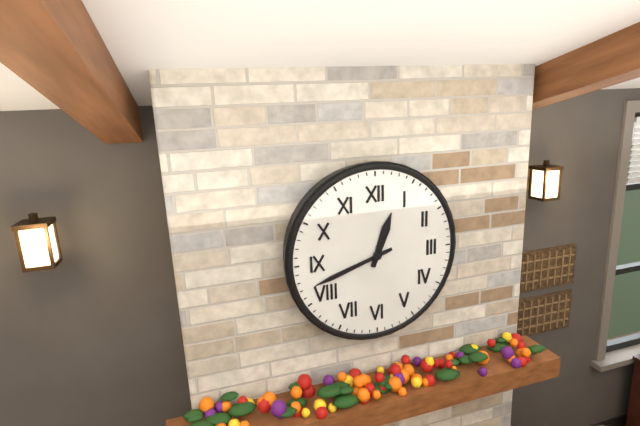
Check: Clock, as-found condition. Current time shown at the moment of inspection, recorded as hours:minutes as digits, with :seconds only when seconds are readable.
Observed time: 12:42
